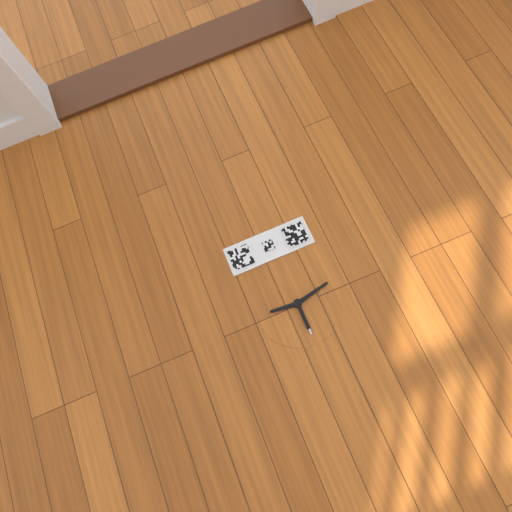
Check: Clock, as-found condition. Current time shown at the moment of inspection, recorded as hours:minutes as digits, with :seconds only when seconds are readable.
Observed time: 9:13
